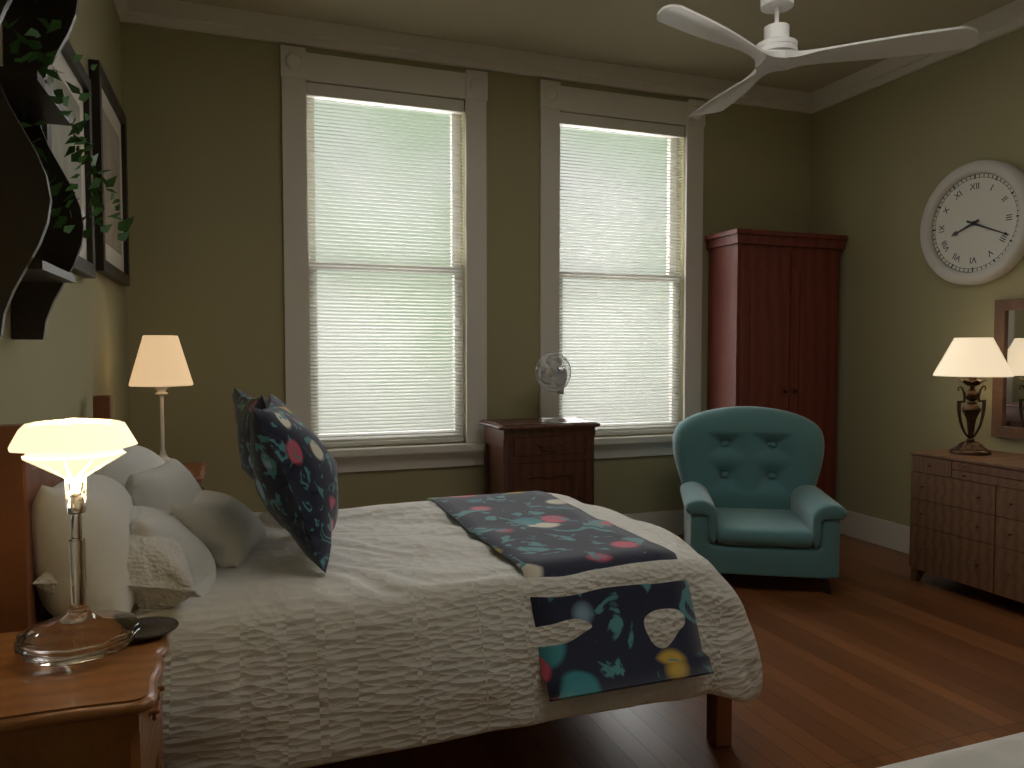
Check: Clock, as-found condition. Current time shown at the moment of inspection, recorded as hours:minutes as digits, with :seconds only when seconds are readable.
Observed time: 8:19
